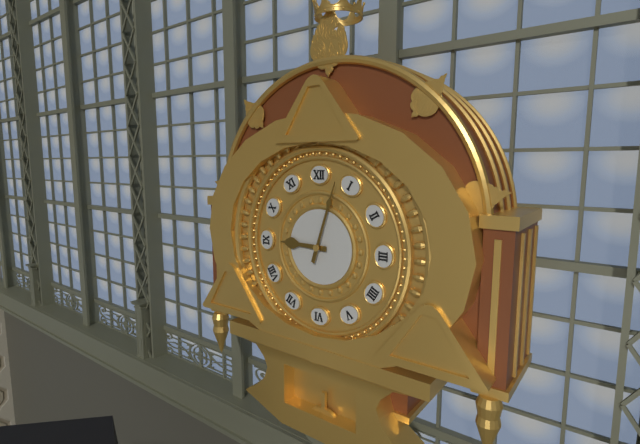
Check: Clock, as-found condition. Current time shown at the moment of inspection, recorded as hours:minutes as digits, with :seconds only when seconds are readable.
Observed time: 9:03
